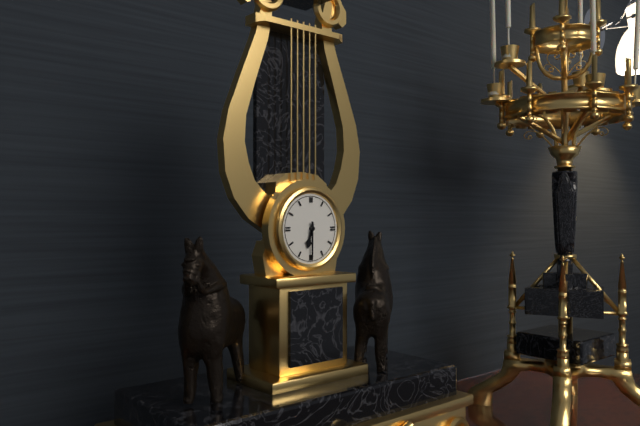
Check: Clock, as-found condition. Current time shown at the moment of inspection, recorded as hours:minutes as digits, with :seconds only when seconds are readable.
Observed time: 6:30
